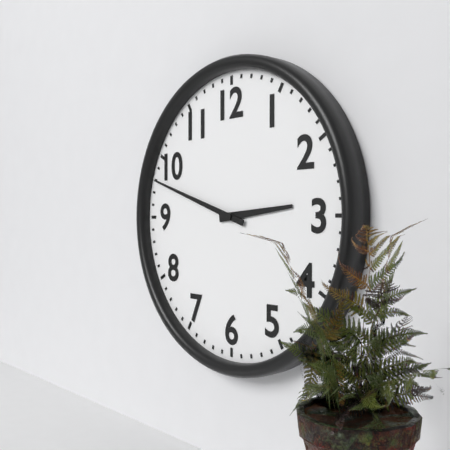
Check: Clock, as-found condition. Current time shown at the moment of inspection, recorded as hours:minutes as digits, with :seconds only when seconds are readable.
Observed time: 2:48
